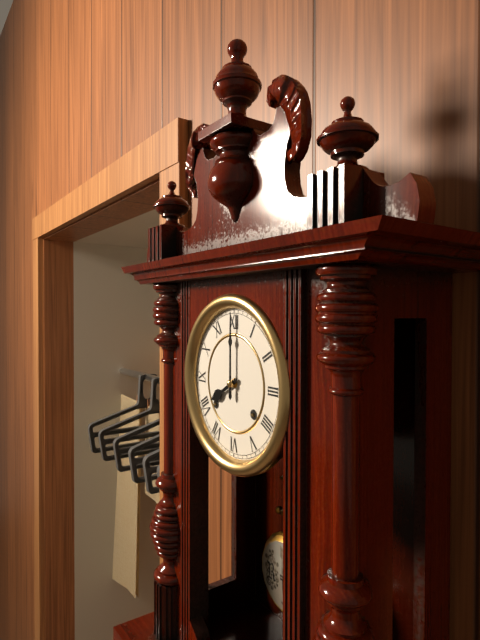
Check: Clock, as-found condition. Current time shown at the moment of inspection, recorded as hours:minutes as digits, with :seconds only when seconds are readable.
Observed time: 8:00
